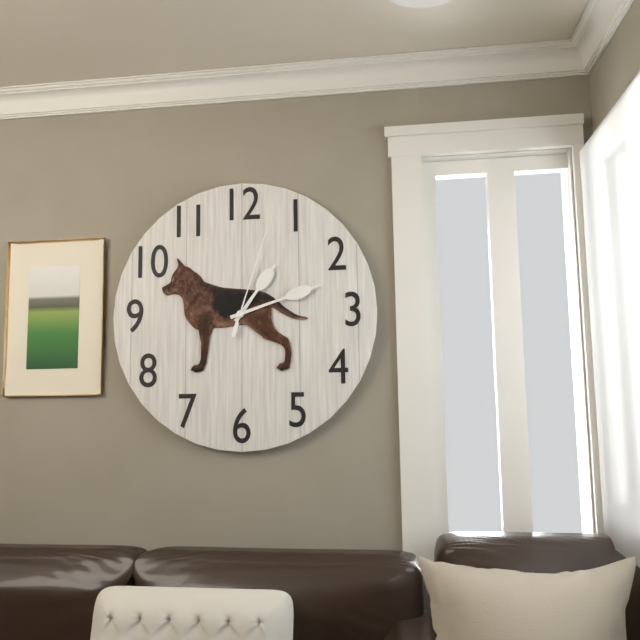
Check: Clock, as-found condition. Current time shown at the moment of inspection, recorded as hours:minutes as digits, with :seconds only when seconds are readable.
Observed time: 1:12:03
